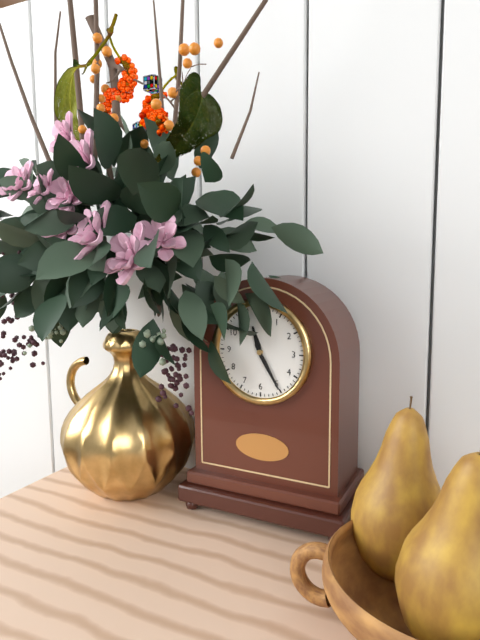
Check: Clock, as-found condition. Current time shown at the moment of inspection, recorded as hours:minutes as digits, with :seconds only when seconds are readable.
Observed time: 11:25
